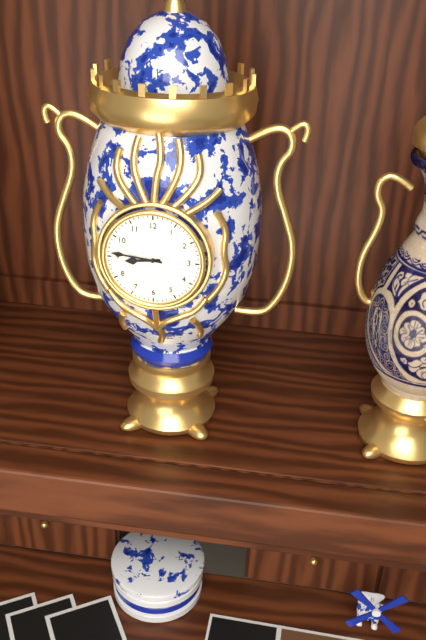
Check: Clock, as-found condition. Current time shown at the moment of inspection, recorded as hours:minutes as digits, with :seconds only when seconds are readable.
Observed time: 8:46
